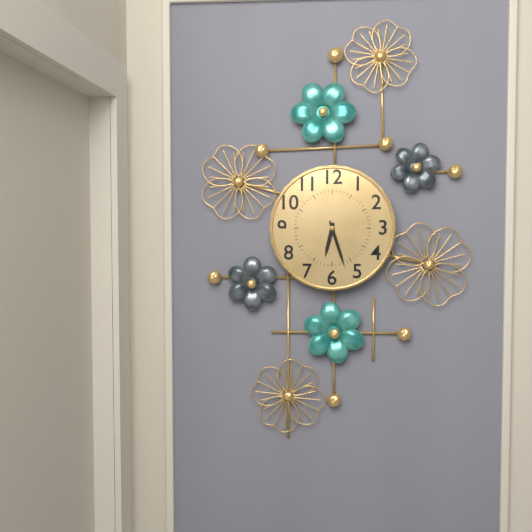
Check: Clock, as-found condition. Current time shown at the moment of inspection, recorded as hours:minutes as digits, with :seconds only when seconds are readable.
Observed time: 6:27
